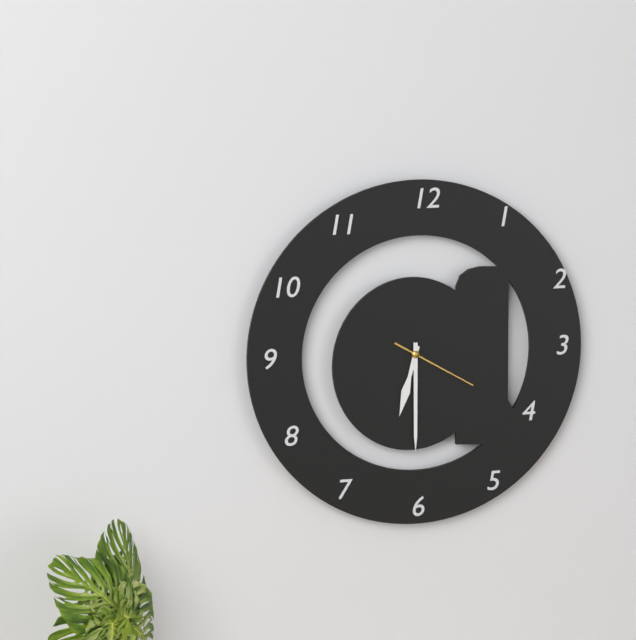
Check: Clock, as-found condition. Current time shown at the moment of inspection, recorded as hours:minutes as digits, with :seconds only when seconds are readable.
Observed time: 6:30:20
